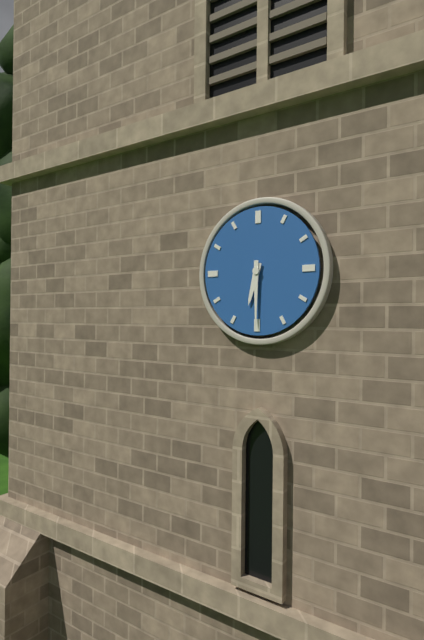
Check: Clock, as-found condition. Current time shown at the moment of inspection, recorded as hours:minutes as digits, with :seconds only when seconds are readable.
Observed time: 6:30
